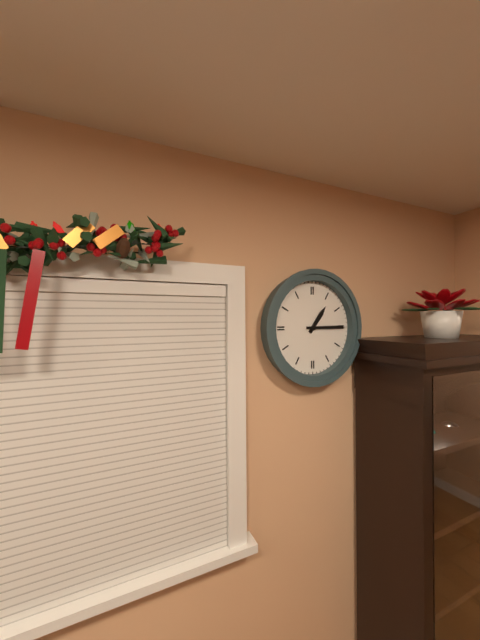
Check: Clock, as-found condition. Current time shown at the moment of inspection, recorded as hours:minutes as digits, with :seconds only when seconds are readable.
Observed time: 1:15
